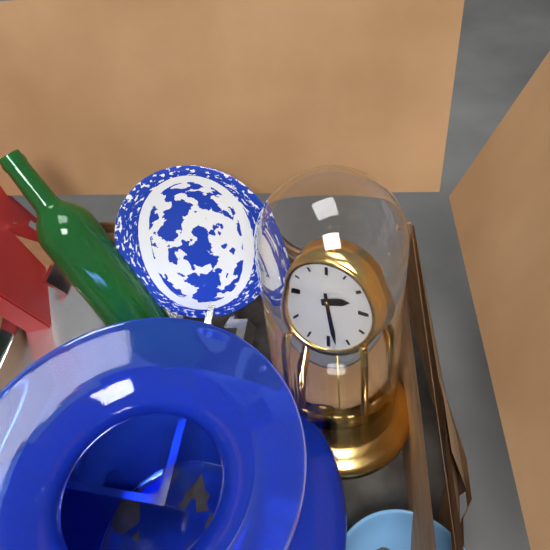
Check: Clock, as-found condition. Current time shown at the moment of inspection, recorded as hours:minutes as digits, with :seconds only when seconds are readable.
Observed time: 2:28
